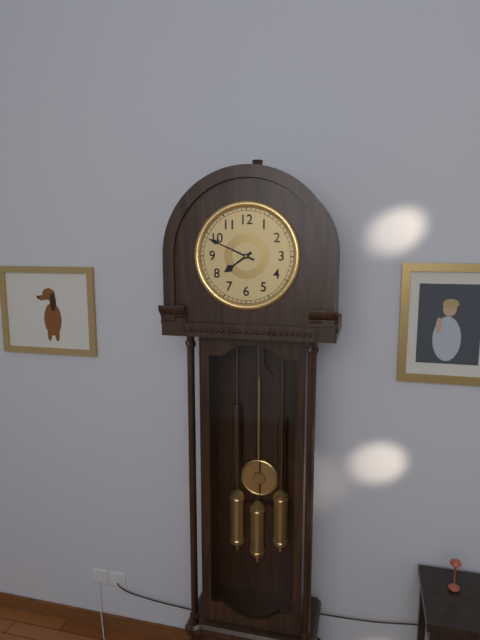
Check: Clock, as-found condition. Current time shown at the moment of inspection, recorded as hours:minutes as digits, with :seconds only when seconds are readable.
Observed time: 7:49
